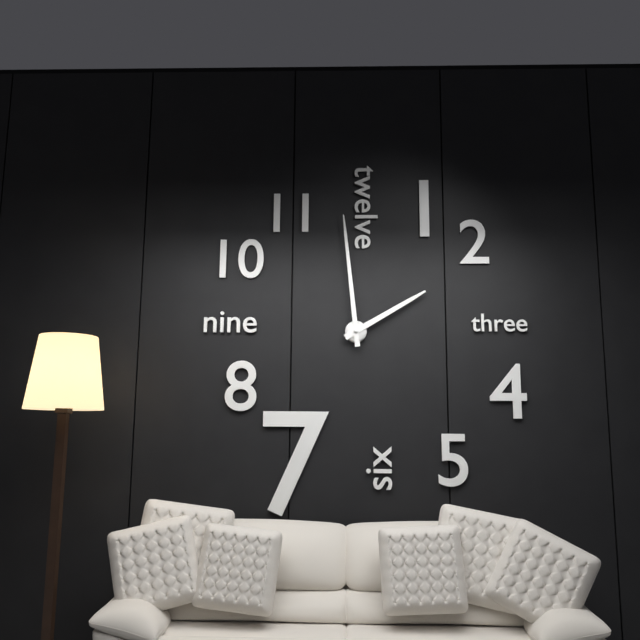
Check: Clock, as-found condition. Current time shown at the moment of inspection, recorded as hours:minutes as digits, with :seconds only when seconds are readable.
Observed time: 1:59
